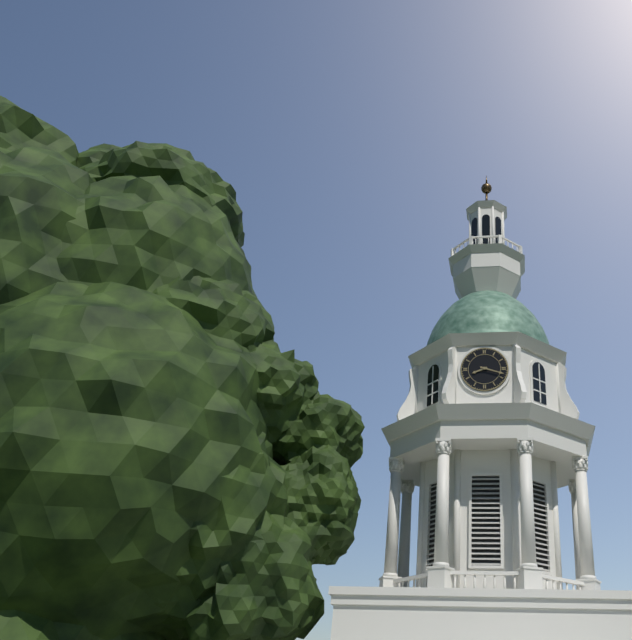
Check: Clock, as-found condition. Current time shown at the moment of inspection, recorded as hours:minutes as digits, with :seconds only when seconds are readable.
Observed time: 8:18
